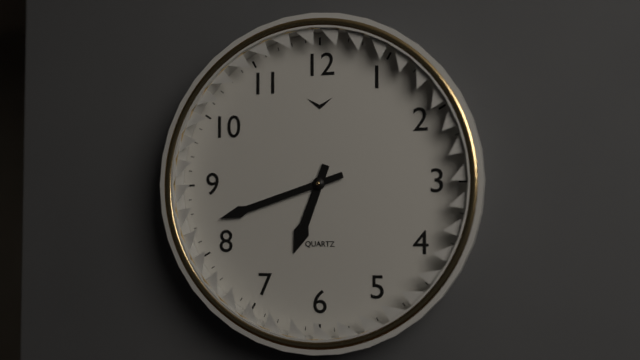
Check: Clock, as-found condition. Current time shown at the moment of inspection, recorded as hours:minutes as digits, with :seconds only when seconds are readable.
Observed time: 6:42
